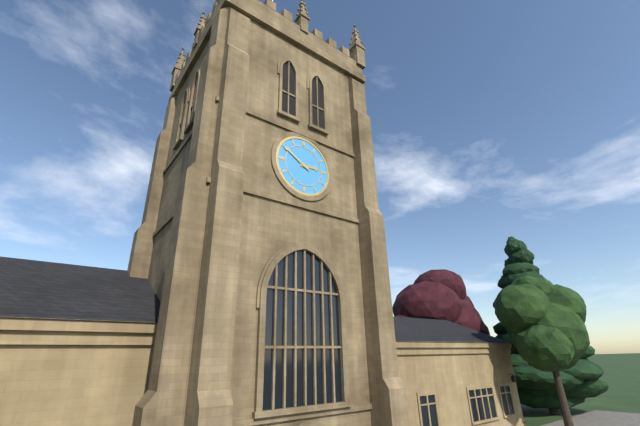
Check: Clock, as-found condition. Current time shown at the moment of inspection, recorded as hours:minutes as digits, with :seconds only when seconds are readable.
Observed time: 2:50
